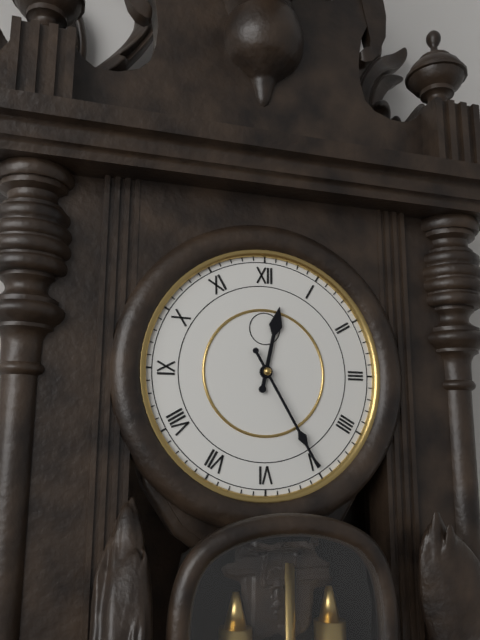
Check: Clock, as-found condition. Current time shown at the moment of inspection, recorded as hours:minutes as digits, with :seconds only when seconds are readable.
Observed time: 12:25
